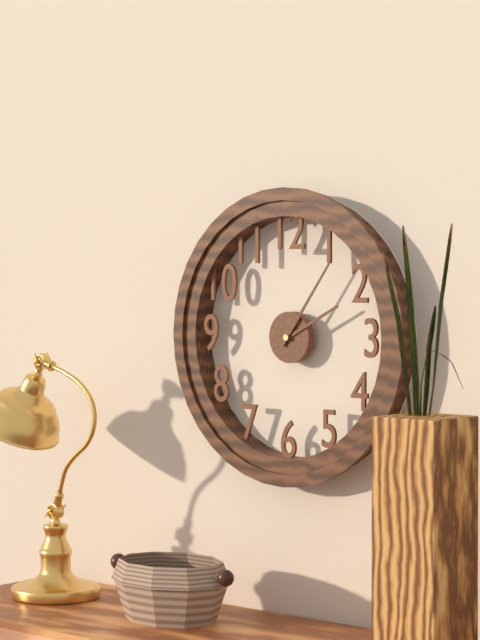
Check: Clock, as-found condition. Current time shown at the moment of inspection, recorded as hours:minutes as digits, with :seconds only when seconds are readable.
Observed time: 2:06
